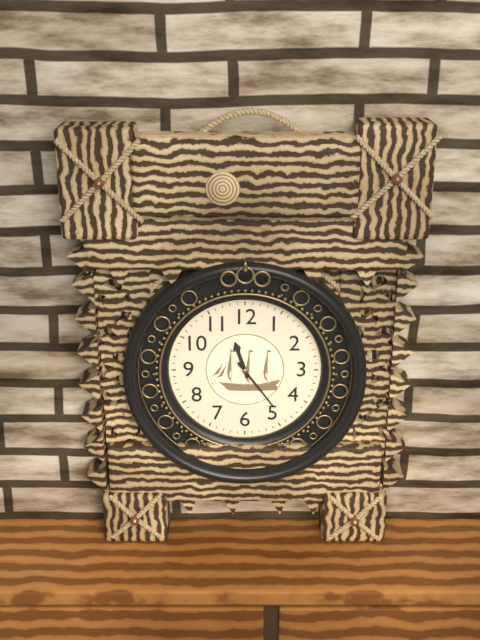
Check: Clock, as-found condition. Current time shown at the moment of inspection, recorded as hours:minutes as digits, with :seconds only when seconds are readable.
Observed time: 11:24
